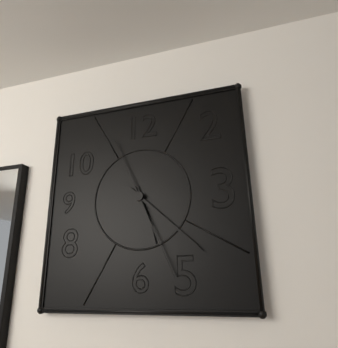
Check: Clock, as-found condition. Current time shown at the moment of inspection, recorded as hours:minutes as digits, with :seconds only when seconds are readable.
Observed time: 5:22:26
